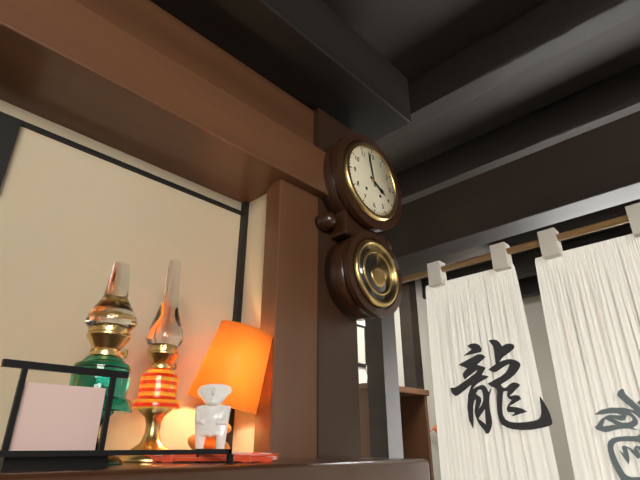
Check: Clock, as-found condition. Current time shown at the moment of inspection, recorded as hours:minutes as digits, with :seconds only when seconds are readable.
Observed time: 3:58
